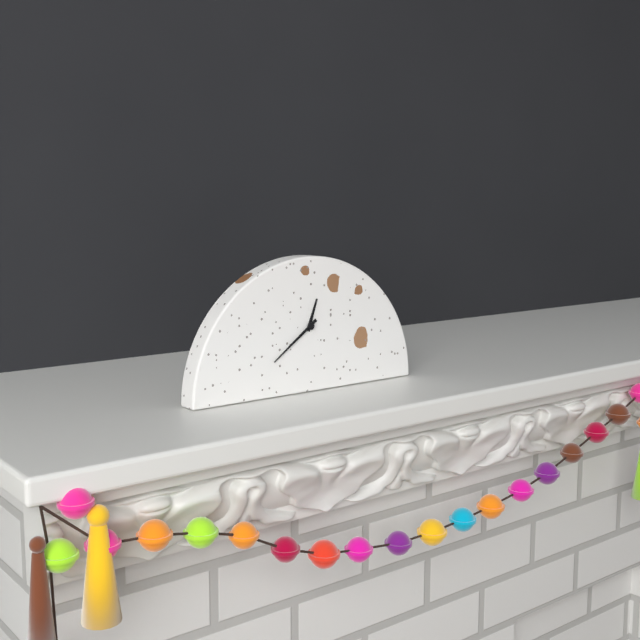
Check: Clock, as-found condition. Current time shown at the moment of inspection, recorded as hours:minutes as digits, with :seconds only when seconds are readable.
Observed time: 12:39
